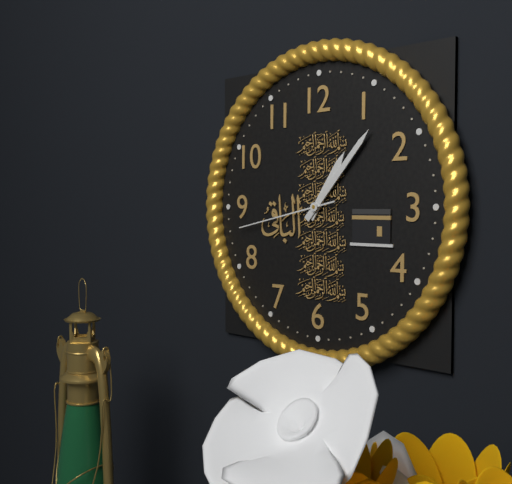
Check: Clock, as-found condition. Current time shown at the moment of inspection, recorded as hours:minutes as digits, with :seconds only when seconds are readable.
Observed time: 1:07:43
